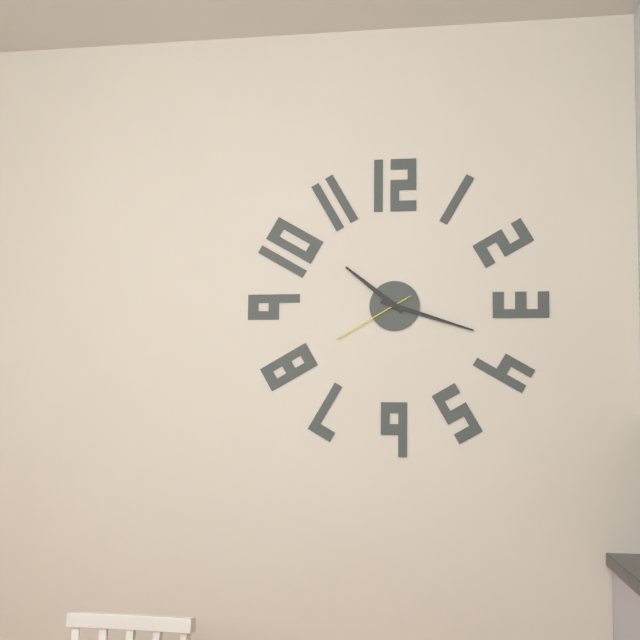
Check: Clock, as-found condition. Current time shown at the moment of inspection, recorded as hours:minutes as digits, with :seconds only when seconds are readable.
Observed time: 10:18:40
